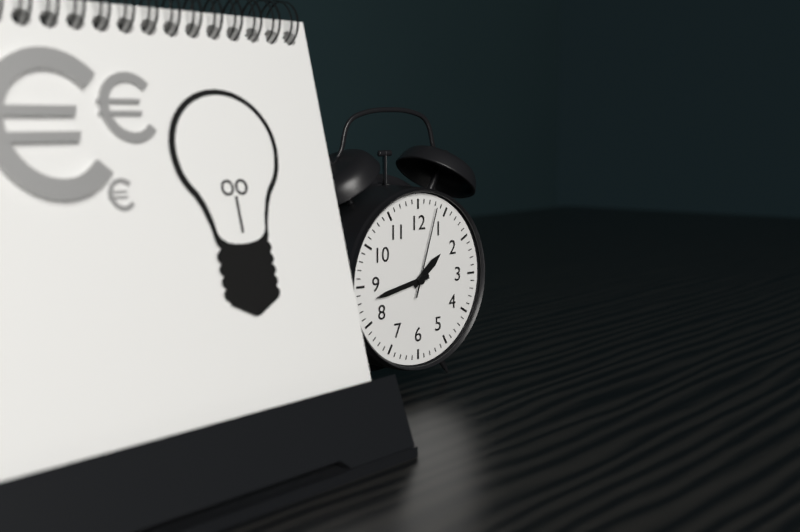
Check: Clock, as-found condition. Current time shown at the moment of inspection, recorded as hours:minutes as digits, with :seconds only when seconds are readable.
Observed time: 1:43:03
